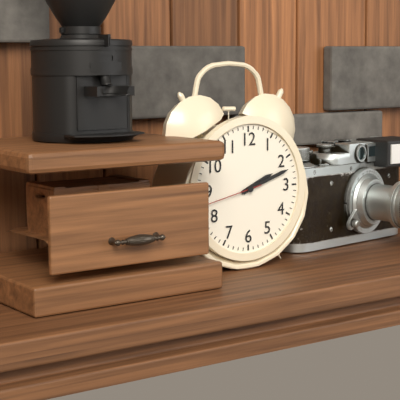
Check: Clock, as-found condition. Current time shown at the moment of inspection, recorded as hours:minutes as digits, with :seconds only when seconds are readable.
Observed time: 2:12:43
